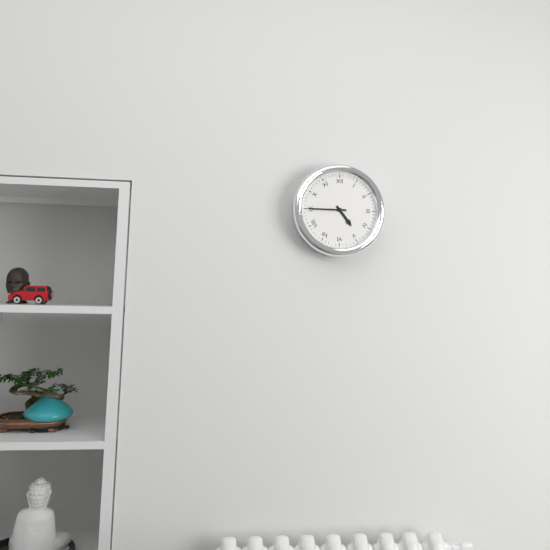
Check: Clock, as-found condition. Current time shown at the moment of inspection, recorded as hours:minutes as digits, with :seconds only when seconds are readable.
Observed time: 4:45
